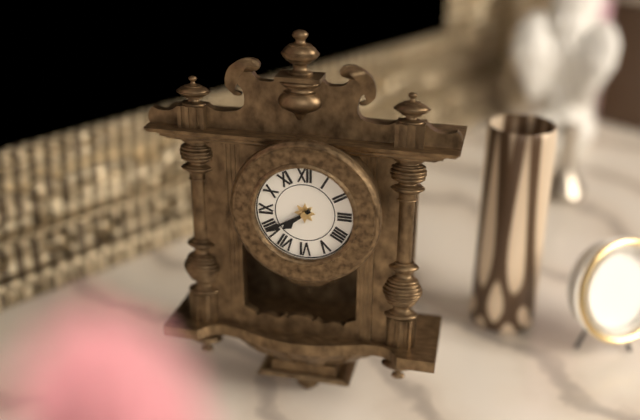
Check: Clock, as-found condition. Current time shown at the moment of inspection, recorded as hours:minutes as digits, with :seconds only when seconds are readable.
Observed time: 7:40
